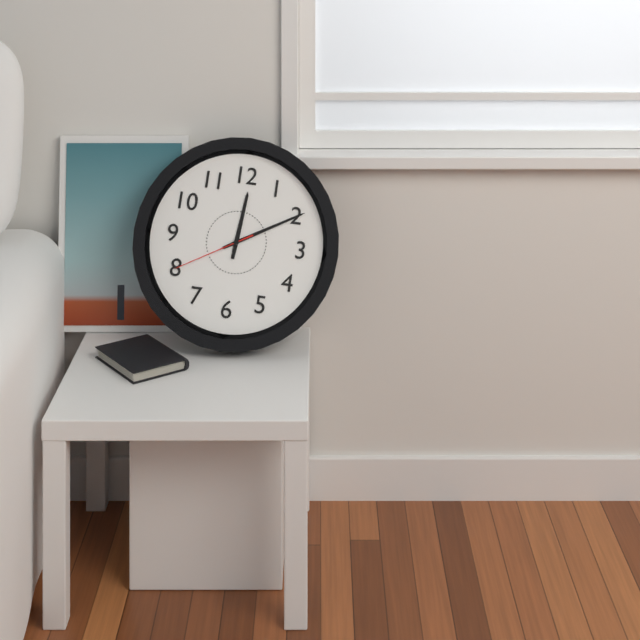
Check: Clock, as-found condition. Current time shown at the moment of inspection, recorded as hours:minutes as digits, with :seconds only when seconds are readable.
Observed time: 12:10:40
